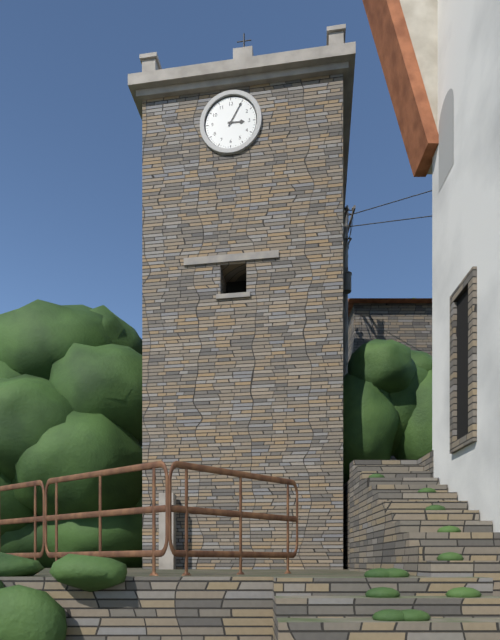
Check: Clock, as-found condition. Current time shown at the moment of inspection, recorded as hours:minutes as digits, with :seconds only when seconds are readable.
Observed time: 3:05
